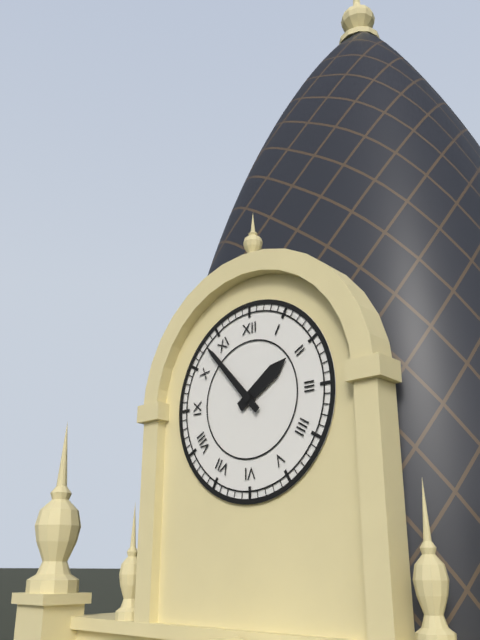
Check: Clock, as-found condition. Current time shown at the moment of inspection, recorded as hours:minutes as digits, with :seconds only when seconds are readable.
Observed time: 1:53
